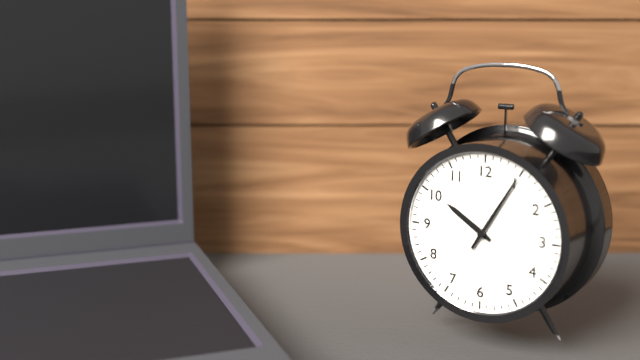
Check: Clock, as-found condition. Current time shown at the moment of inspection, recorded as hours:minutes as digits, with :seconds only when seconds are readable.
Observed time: 10:05
